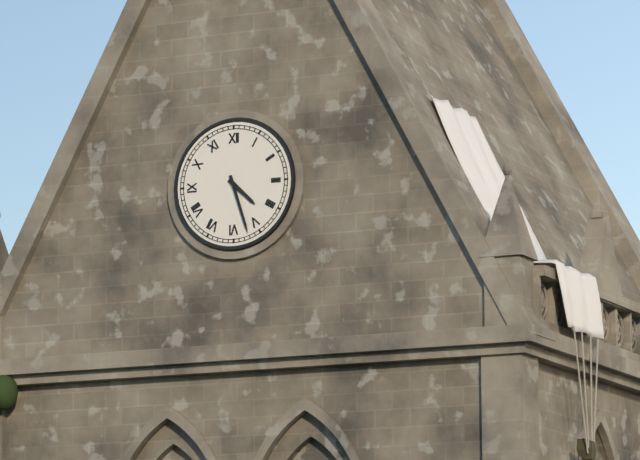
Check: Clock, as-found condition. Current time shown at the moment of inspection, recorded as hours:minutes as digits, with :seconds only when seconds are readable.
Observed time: 4:27
